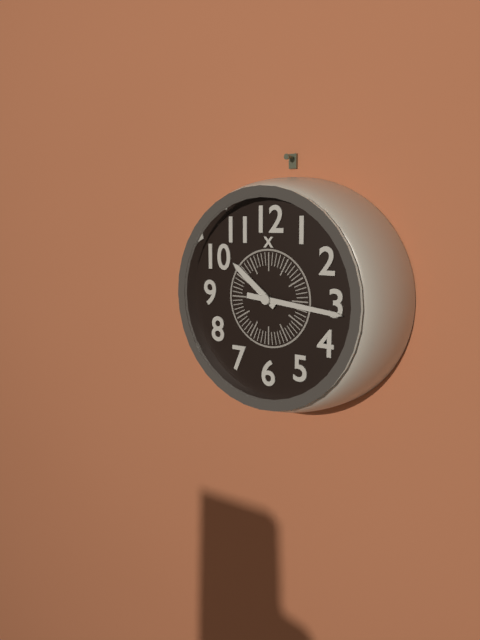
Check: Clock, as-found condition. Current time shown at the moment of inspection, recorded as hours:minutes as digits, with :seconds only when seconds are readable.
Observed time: 10:16
